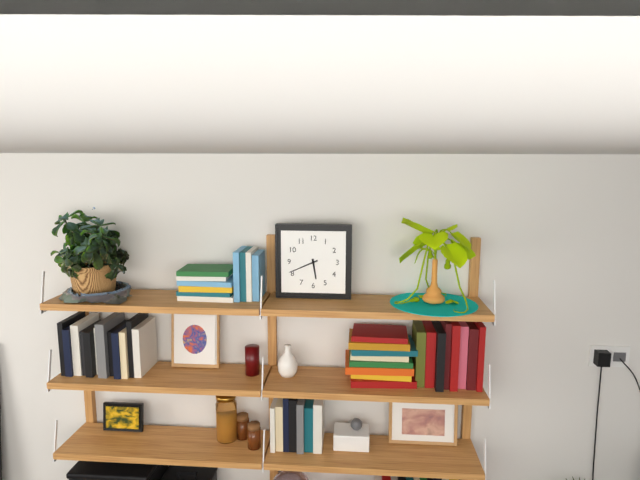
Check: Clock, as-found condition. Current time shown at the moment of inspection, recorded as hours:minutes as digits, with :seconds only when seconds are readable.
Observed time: 5:41
